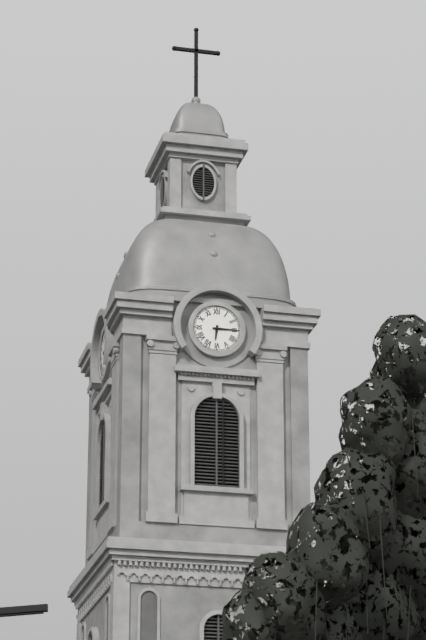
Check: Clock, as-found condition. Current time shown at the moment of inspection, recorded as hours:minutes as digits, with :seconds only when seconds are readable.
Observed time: 6:15
